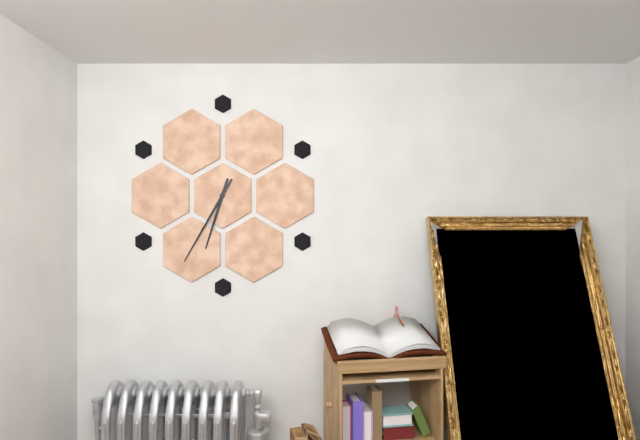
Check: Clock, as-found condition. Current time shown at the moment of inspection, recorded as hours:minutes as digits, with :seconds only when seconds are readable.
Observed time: 6:35
